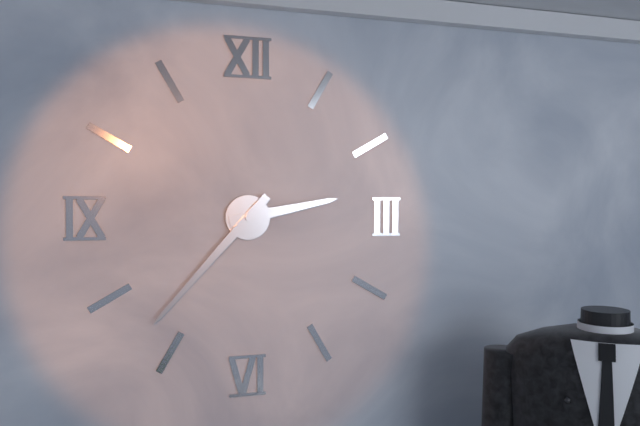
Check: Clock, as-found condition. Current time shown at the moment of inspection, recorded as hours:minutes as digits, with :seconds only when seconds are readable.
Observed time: 2:37
